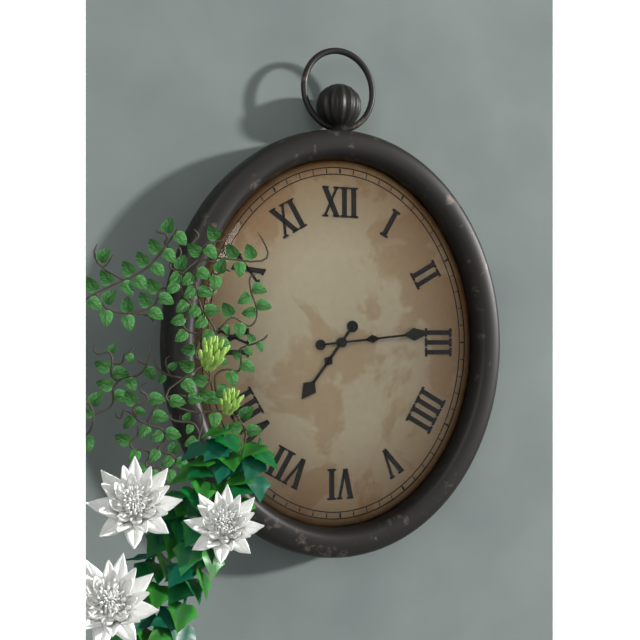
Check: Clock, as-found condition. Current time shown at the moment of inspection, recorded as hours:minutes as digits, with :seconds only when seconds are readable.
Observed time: 7:14
